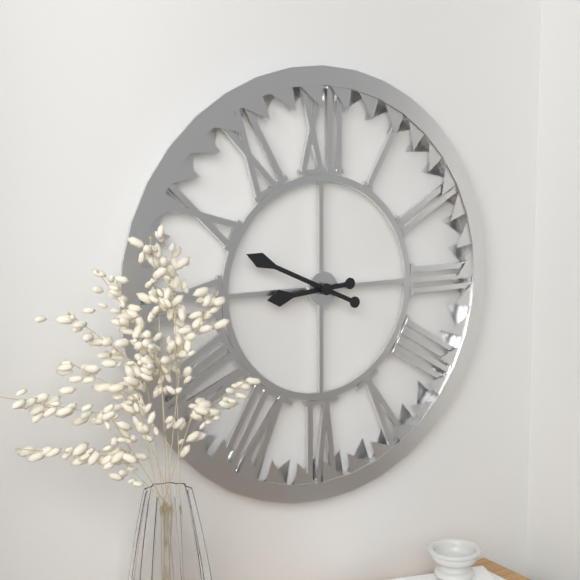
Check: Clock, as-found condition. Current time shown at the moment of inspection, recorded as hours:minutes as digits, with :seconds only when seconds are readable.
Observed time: 8:49
